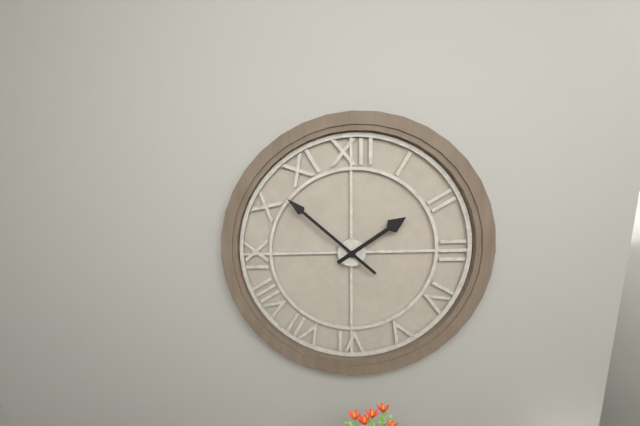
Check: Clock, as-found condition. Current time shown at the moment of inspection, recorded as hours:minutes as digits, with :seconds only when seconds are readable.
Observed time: 1:52
